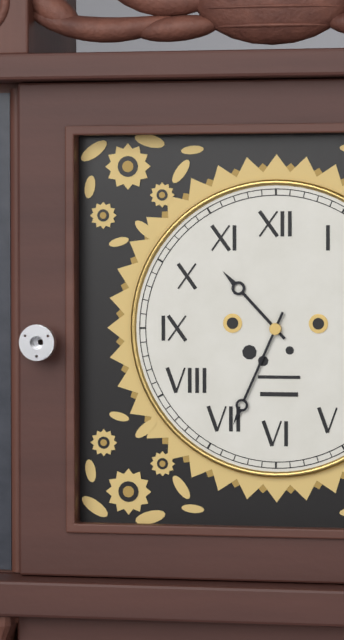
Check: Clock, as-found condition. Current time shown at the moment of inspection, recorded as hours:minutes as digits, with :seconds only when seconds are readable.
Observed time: 10:34
